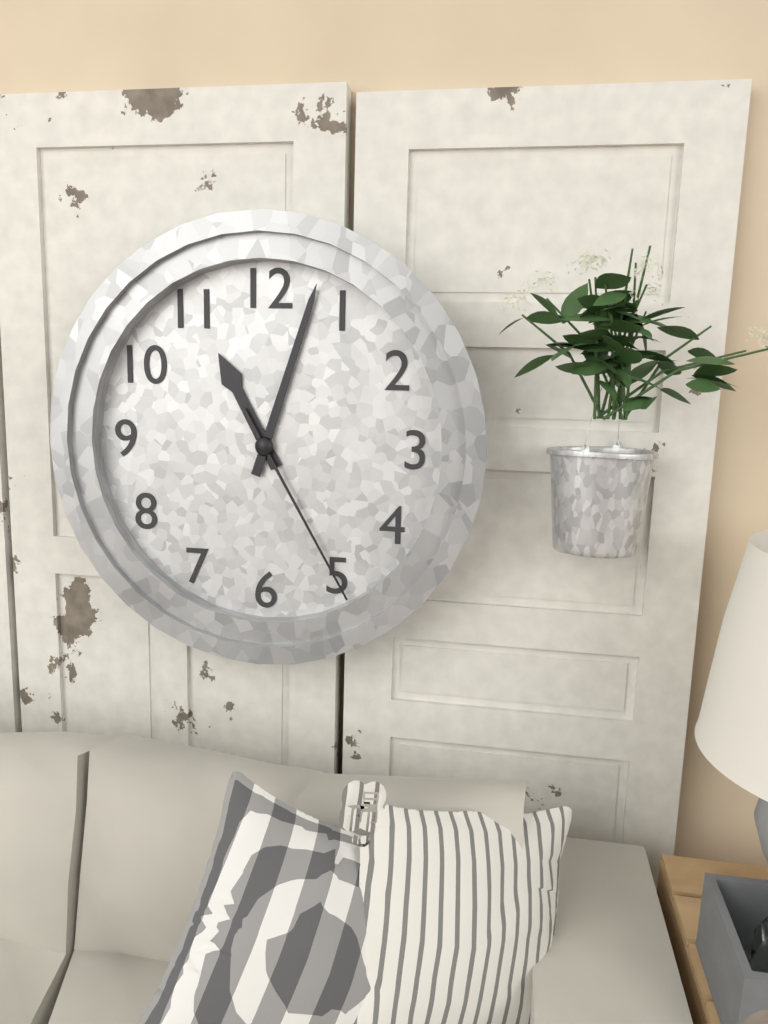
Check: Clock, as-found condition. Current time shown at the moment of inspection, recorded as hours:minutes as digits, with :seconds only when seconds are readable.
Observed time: 11:03:25
